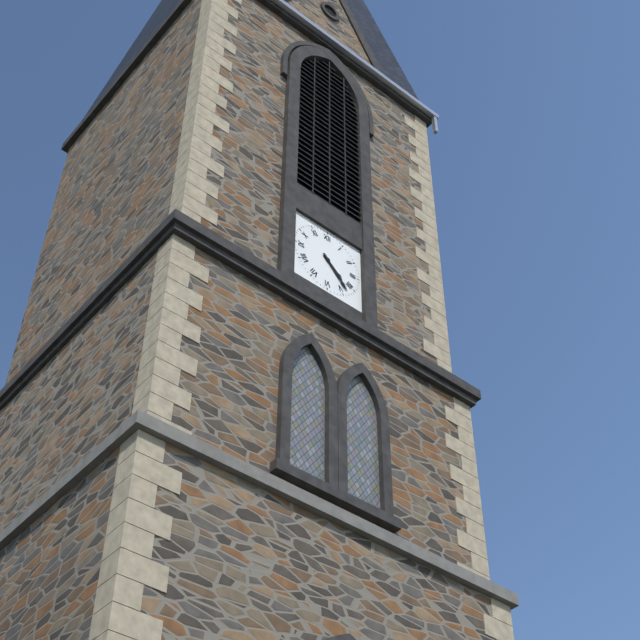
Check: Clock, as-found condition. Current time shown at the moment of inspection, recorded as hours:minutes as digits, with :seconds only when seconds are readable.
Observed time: 4:23
